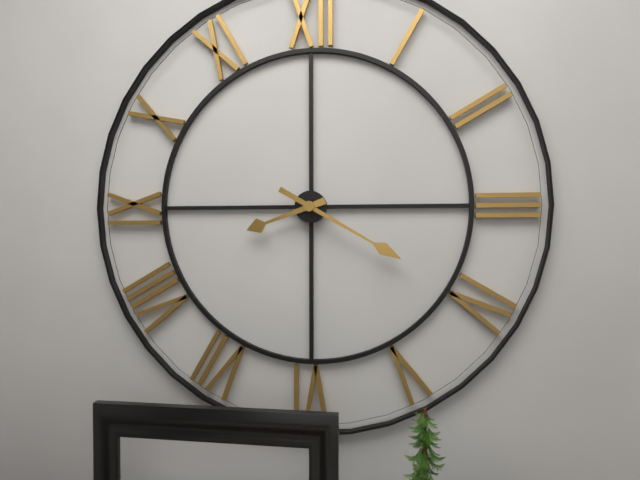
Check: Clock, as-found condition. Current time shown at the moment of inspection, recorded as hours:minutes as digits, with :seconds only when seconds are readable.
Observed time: 8:20
